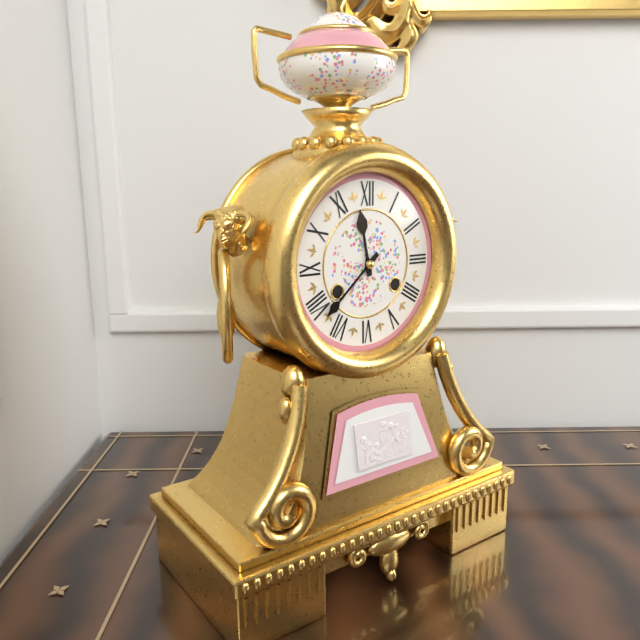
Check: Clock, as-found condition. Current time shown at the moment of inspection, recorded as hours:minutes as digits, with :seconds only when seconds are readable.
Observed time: 11:38
